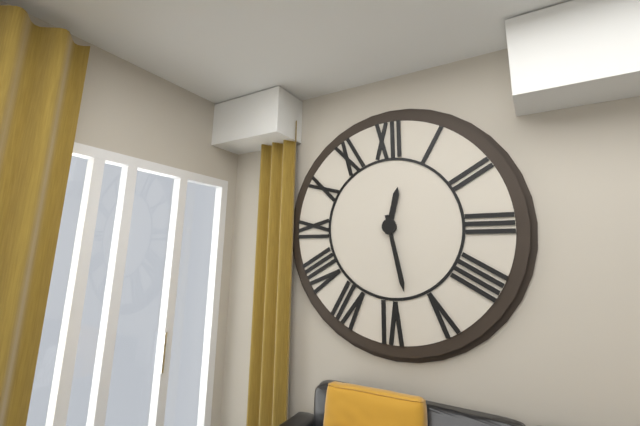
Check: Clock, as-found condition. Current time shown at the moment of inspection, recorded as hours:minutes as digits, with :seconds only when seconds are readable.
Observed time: 12:28
